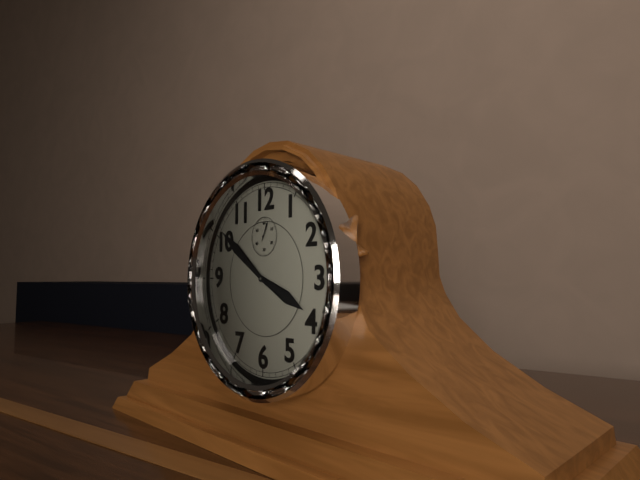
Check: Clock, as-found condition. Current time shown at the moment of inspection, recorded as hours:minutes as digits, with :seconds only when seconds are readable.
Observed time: 3:51
